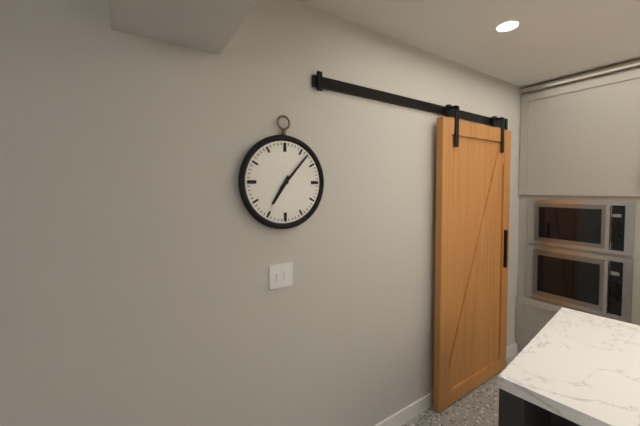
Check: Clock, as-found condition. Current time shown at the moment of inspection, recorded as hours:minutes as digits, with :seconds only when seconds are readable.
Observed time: 7:07
